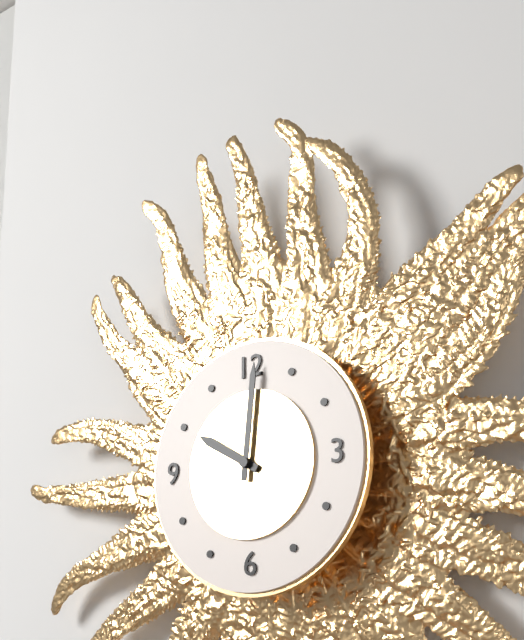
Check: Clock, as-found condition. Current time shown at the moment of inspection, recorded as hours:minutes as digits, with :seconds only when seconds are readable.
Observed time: 10:01
